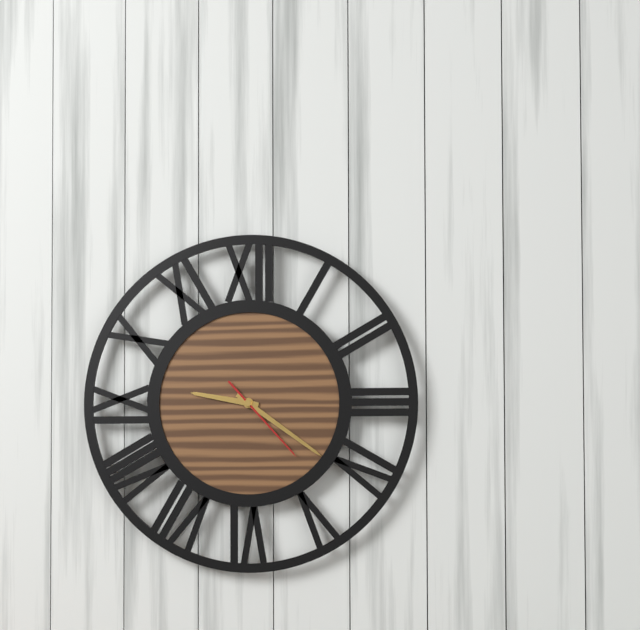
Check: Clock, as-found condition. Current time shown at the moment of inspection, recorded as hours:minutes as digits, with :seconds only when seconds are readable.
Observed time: 9:21:23
